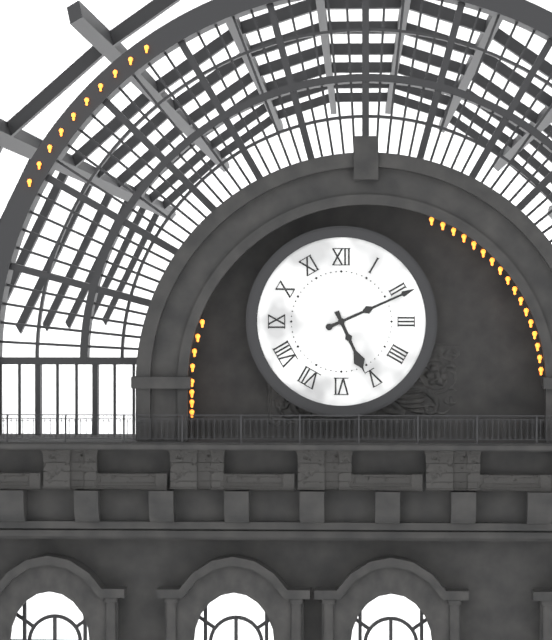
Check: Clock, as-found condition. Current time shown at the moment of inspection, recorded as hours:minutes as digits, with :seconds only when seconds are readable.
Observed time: 5:11
